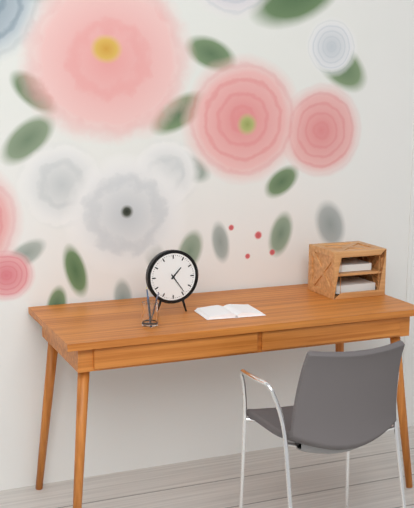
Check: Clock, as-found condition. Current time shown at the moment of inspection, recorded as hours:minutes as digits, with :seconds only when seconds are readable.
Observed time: 1:24
